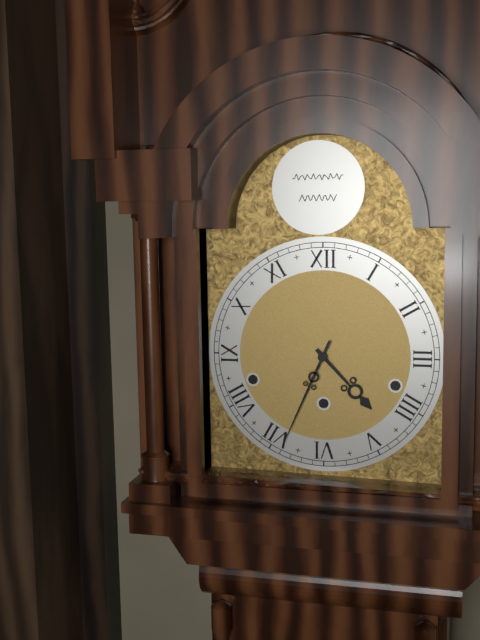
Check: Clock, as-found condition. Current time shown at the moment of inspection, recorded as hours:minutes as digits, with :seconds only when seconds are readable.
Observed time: 4:34
